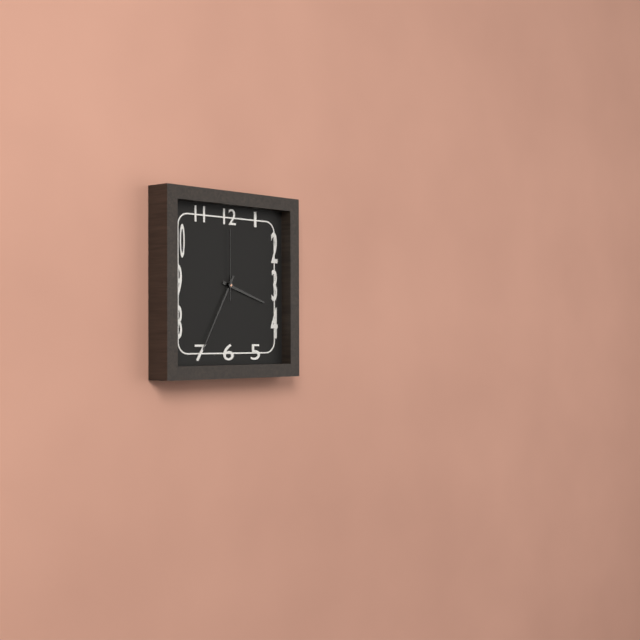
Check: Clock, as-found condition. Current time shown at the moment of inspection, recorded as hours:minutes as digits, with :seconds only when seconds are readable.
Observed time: 3:35:00
